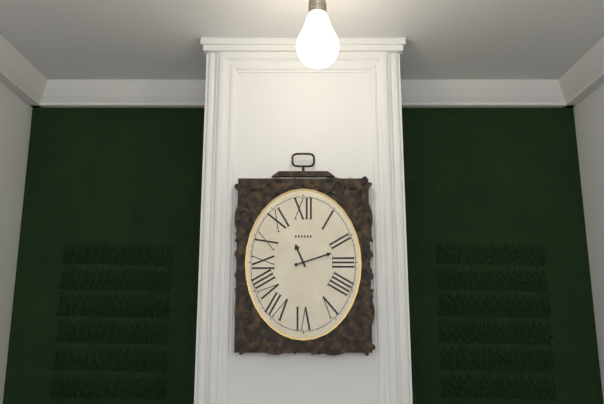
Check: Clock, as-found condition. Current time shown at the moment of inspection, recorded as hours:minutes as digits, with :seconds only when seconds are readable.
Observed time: 11:12
